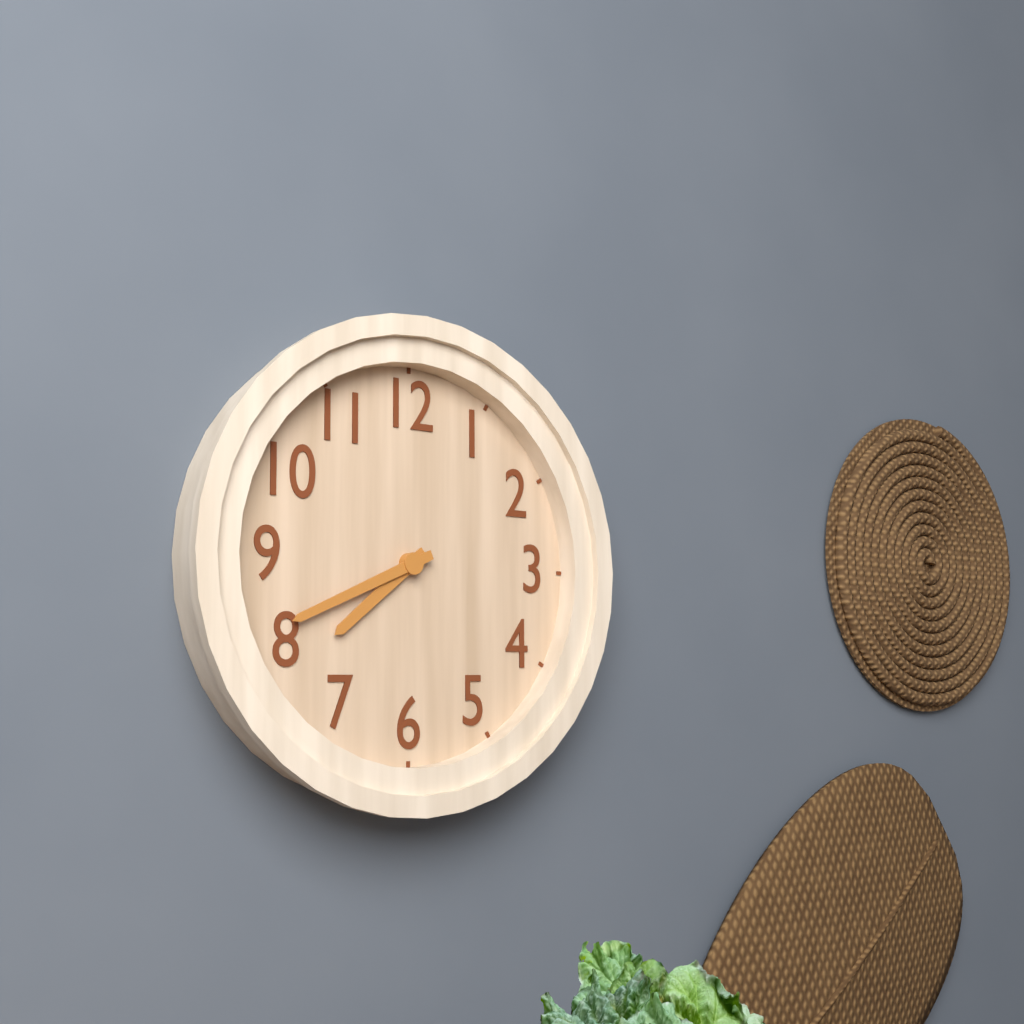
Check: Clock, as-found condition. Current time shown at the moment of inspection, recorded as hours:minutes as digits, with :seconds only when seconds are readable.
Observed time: 7:41
